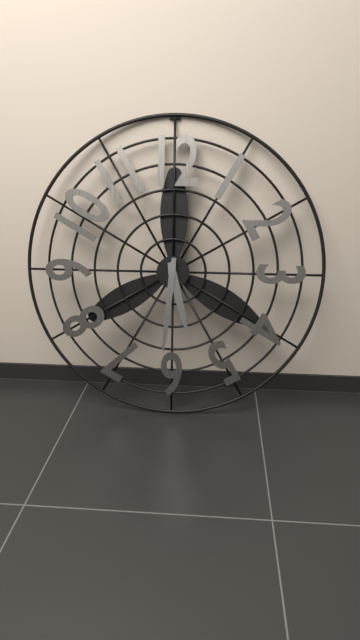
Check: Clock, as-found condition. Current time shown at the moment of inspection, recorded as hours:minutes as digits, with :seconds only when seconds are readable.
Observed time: 5:31
